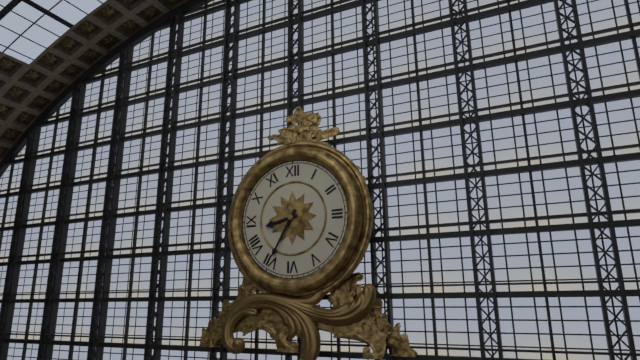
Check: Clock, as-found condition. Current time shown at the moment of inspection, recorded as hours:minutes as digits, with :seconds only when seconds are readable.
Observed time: 8:35
